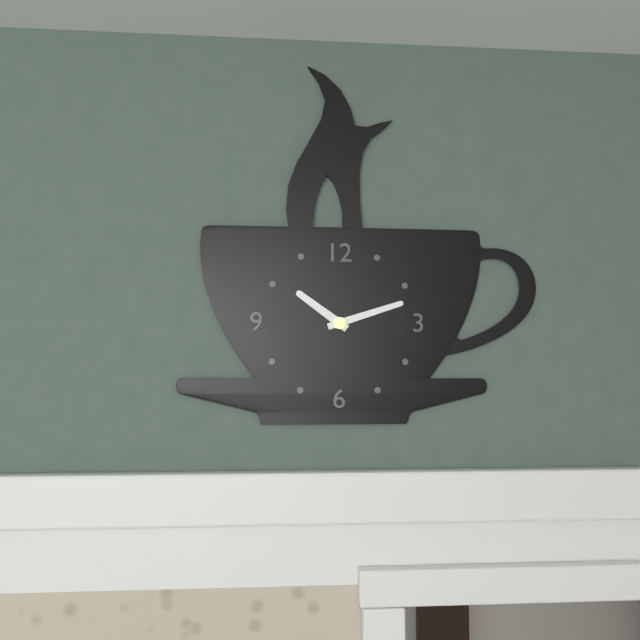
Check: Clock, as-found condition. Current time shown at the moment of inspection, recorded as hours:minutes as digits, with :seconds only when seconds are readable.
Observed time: 10:12
